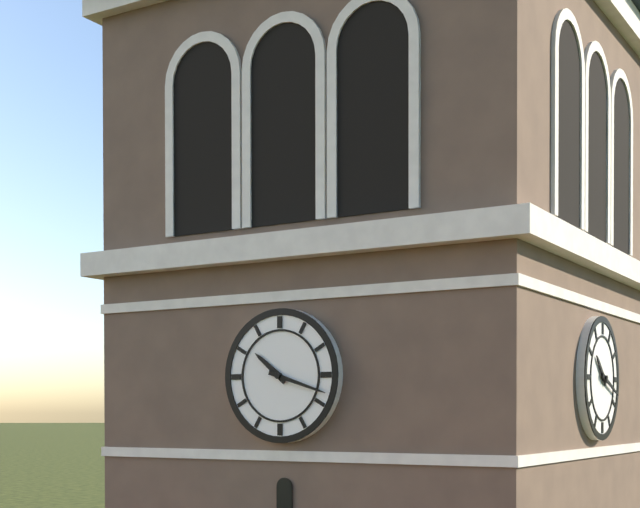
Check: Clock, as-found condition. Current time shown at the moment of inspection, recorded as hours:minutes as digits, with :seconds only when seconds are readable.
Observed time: 10:18
